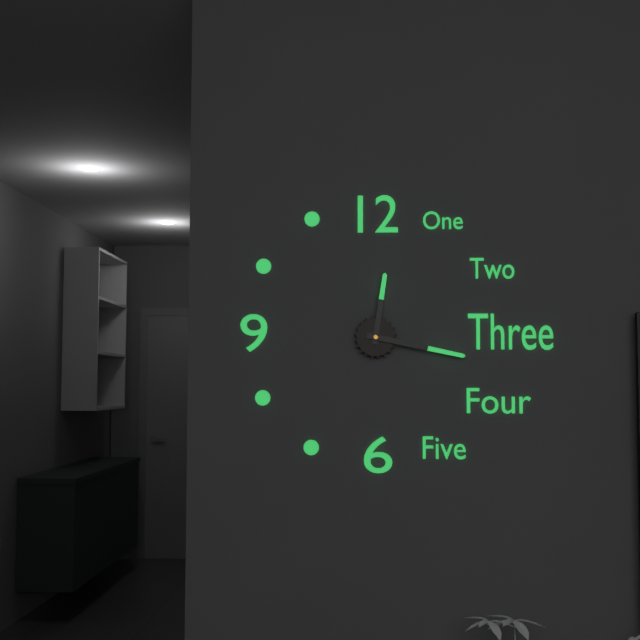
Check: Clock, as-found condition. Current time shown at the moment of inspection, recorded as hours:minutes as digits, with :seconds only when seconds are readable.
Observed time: 12:17
